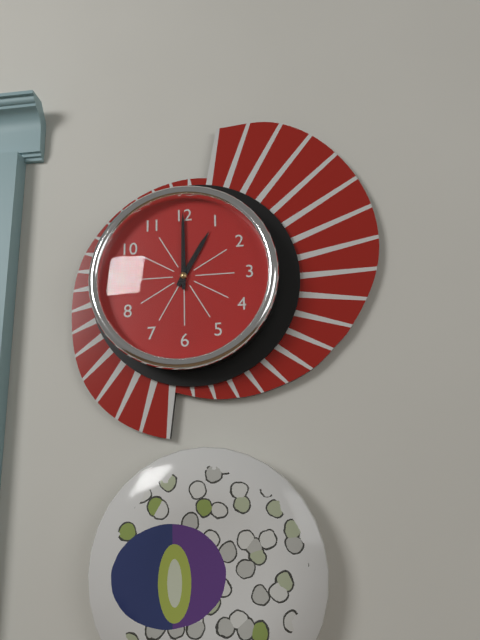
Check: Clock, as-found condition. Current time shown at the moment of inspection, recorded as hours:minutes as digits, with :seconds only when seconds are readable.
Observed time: 1:00
